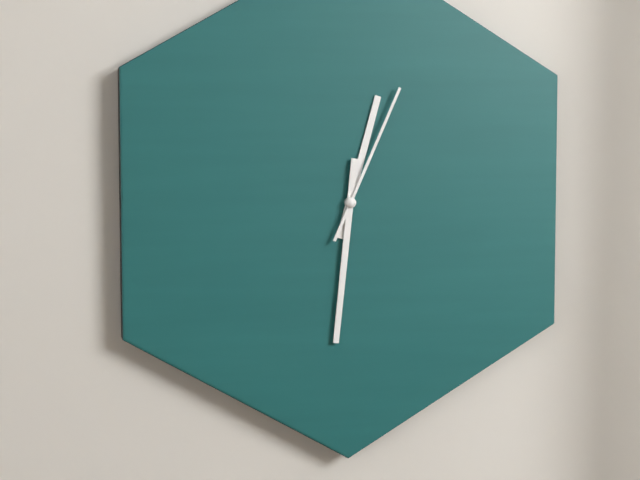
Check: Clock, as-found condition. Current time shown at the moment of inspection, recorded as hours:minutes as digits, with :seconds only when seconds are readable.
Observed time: 12:31:04
